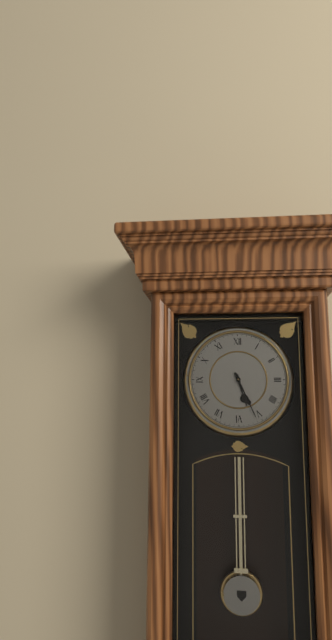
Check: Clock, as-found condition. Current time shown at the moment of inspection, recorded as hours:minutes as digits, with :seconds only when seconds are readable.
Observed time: 5:26
